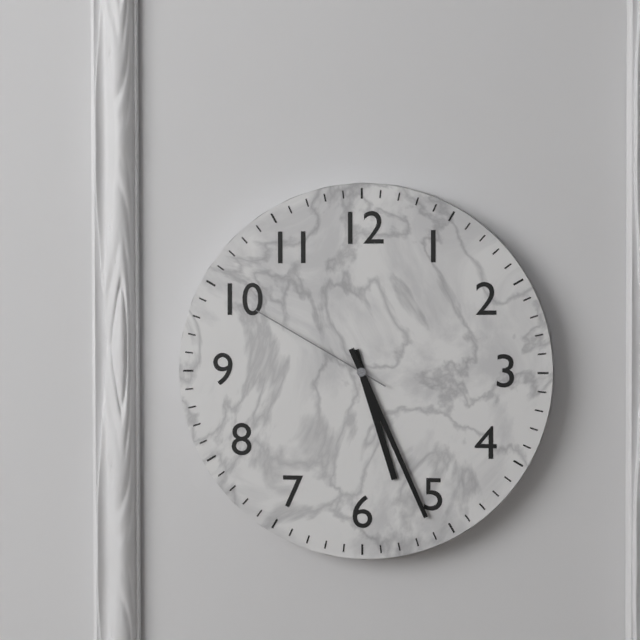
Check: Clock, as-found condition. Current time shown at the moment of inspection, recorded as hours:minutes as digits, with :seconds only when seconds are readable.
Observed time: 5:26:50
